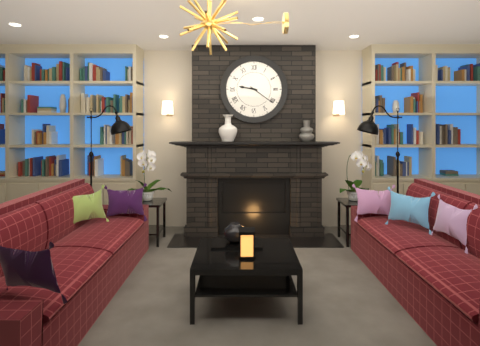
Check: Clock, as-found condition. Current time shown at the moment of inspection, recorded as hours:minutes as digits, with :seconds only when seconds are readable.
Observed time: 9:21
